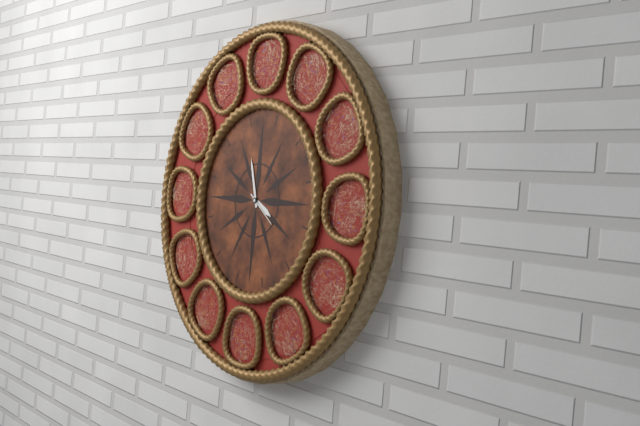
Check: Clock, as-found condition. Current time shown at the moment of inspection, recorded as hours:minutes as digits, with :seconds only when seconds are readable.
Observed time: 3:57
